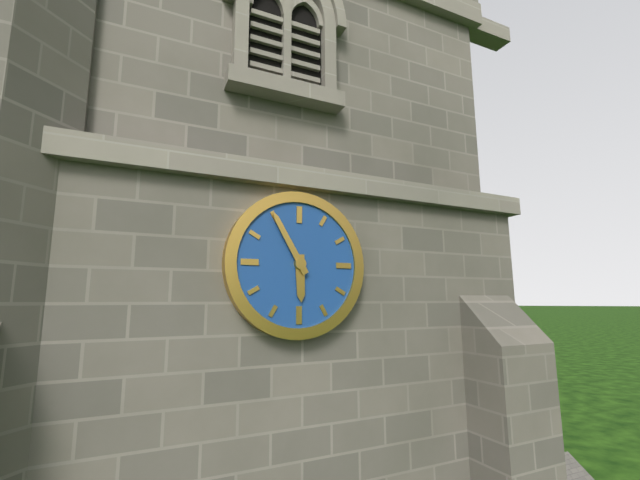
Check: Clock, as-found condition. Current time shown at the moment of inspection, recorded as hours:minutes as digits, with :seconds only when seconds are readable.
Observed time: 5:55
